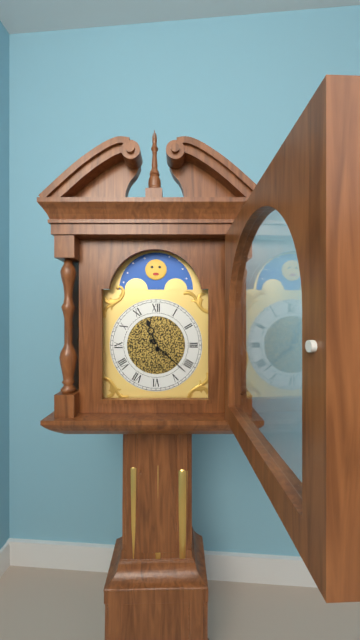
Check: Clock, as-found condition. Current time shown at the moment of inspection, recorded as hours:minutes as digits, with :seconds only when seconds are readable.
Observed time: 11:22
